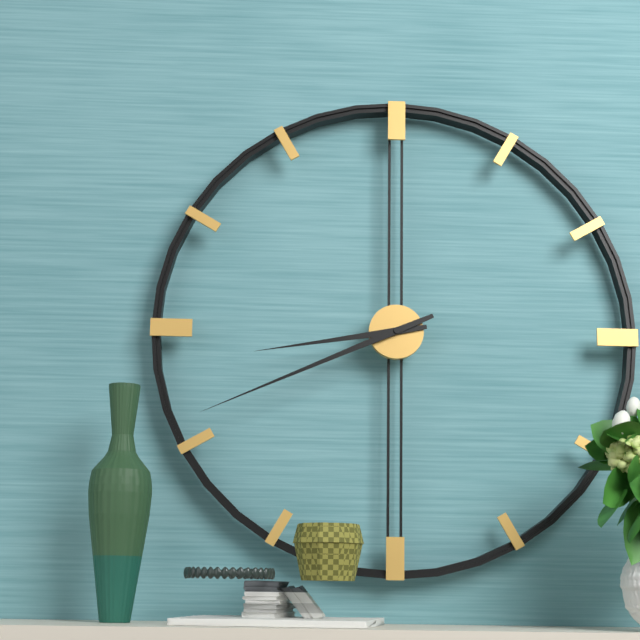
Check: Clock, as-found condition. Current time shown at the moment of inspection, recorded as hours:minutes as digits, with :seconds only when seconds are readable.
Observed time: 8:41
